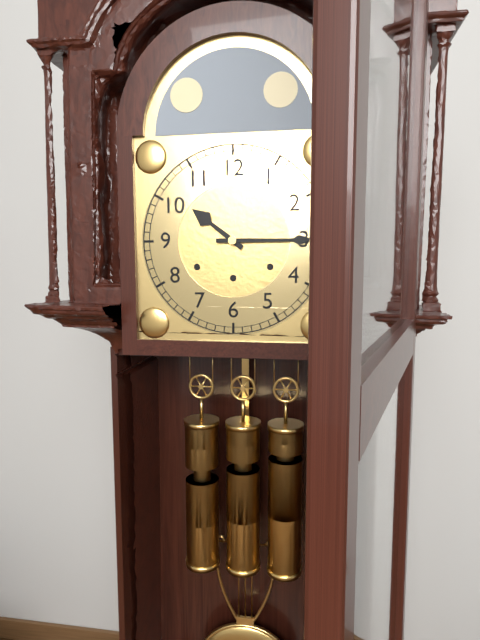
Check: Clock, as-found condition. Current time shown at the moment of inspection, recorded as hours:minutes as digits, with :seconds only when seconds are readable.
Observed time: 10:15
